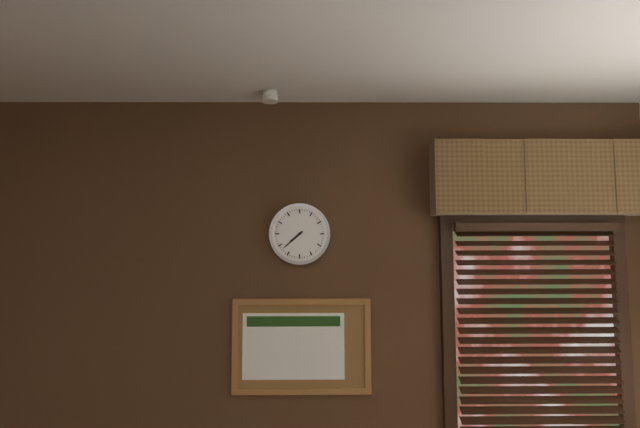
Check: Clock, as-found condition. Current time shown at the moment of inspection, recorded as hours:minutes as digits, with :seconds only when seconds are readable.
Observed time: 7:38
